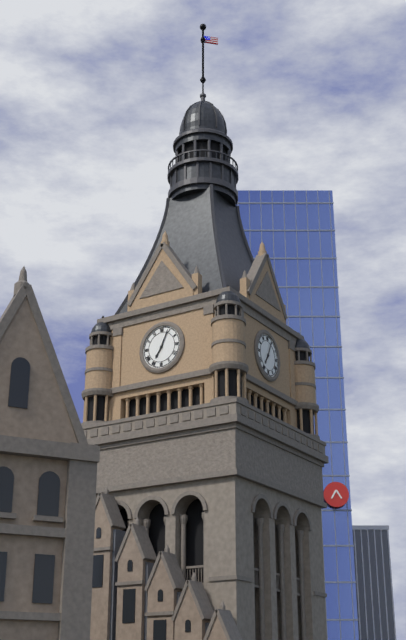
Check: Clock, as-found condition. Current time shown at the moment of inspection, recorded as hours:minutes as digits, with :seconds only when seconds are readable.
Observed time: 7:04
